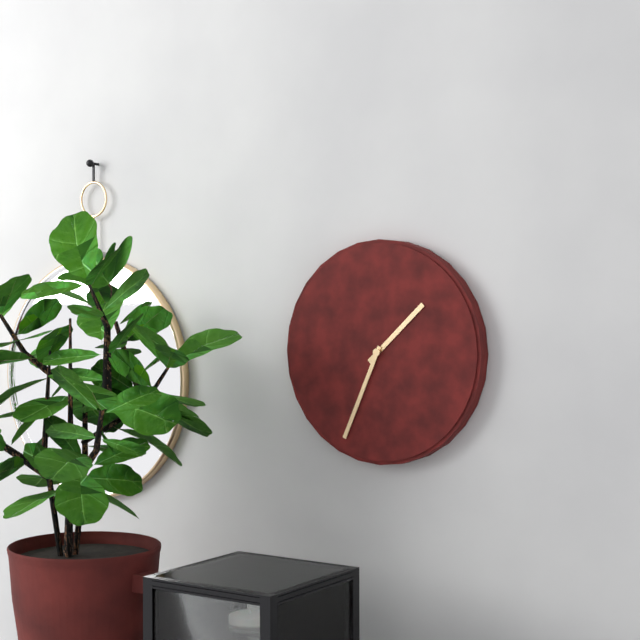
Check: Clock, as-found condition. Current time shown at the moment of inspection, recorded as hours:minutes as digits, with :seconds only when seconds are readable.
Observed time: 1:34
